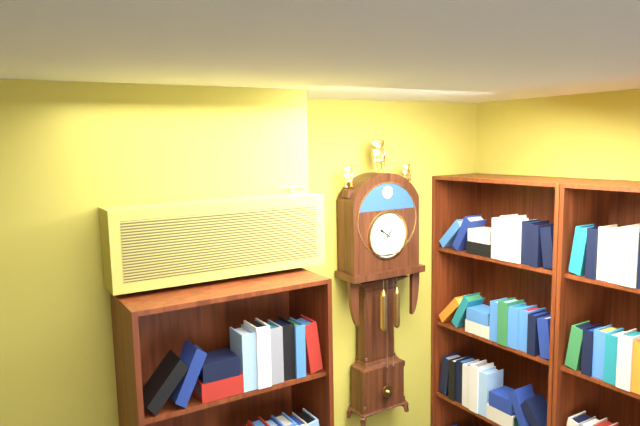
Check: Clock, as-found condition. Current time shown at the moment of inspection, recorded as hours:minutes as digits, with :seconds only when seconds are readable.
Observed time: 10:07
